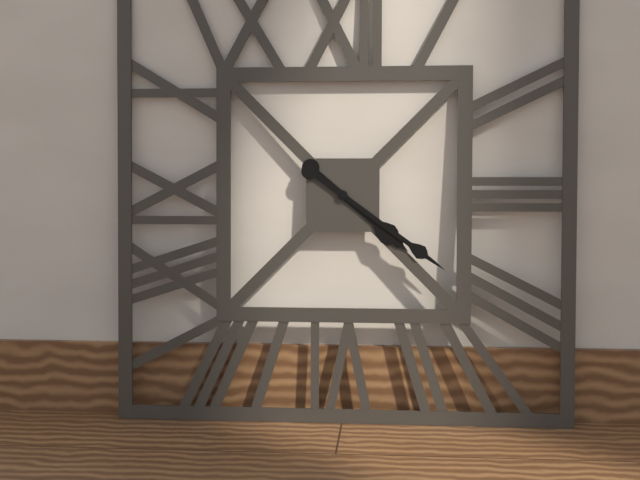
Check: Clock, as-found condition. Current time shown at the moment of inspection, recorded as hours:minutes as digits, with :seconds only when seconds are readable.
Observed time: 4:21
